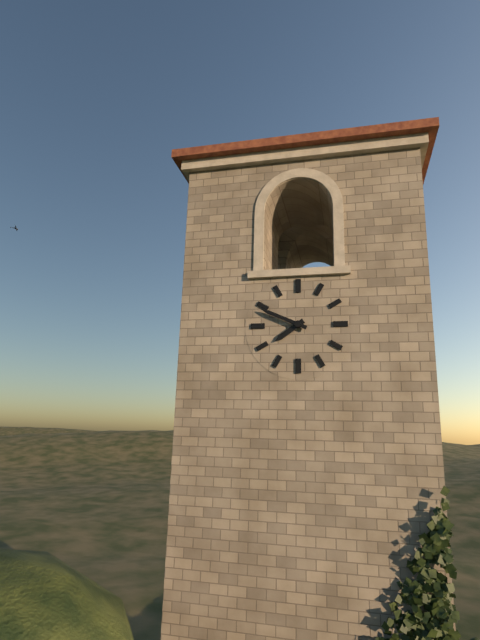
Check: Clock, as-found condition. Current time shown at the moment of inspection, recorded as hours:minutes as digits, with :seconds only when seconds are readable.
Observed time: 7:49
